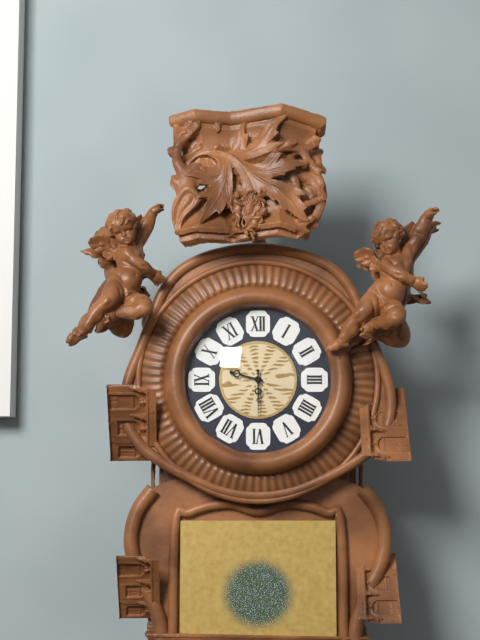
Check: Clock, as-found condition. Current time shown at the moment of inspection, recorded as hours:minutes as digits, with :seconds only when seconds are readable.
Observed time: 9:30
